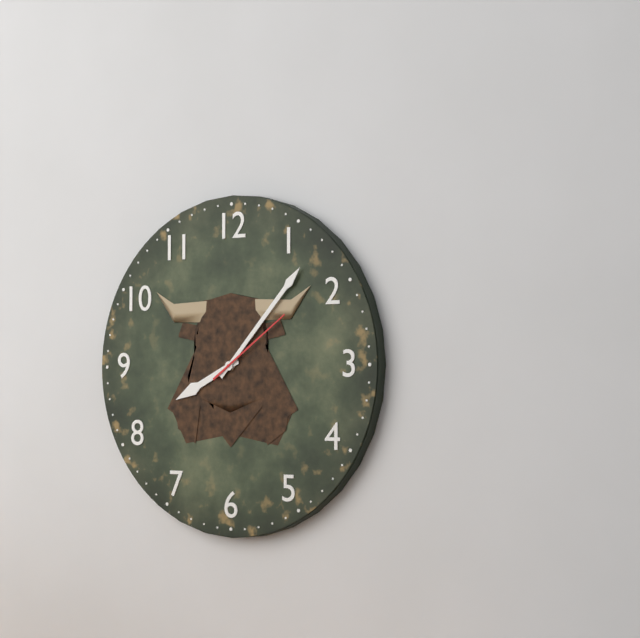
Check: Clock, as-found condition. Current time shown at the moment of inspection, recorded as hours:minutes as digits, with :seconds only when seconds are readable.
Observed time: 8:07:09
